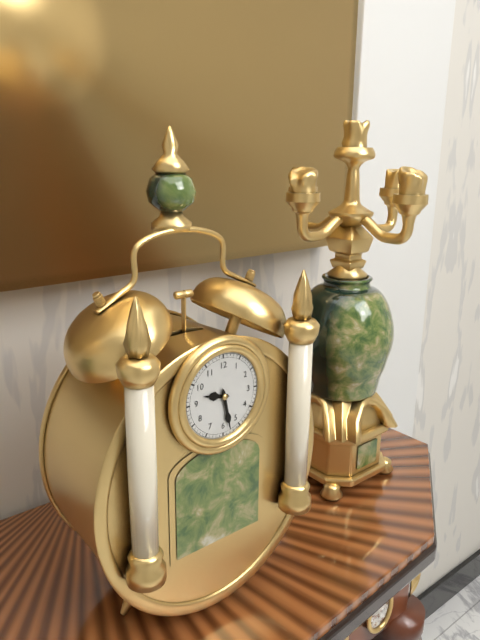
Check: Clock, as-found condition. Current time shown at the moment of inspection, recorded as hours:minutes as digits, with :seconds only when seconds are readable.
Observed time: 9:28
